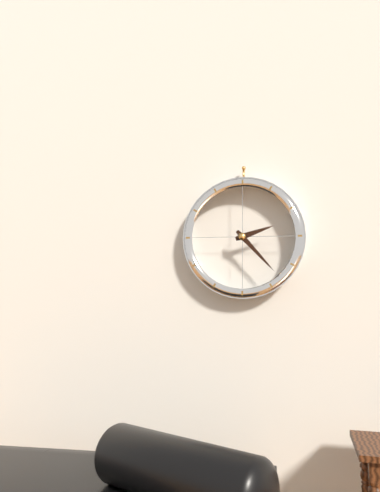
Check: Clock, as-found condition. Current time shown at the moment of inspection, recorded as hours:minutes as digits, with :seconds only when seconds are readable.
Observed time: 2:23
